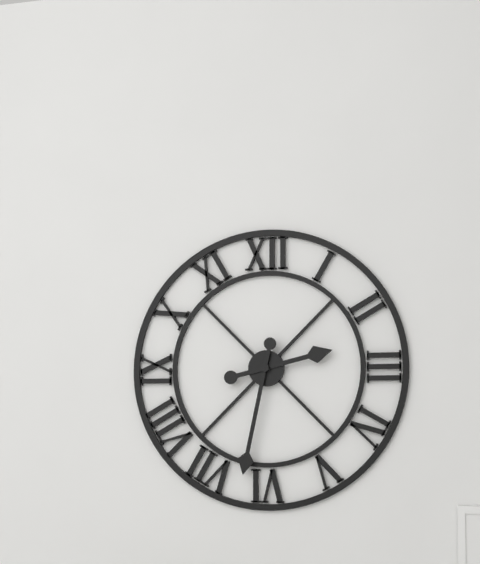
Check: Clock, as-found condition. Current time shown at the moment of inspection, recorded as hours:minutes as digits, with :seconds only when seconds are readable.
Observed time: 2:32
